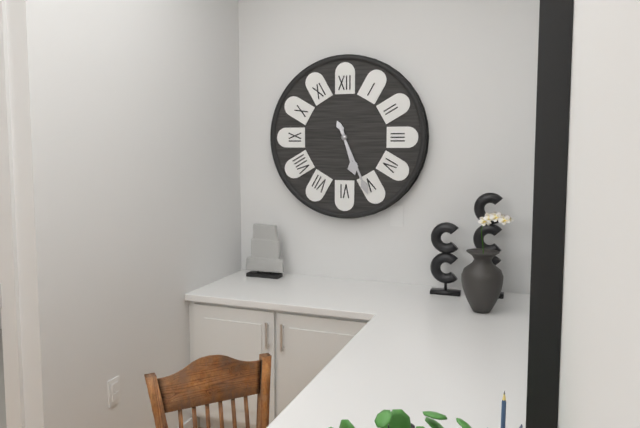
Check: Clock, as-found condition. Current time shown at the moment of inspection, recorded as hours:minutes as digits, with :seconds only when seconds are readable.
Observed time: 5:26
